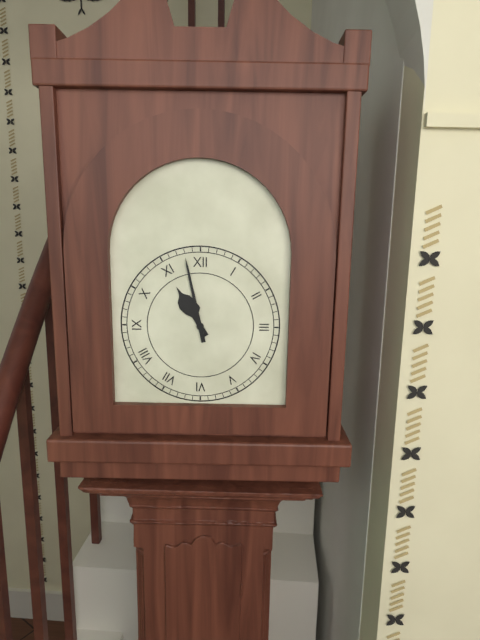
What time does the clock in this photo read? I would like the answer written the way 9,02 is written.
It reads 10,58
